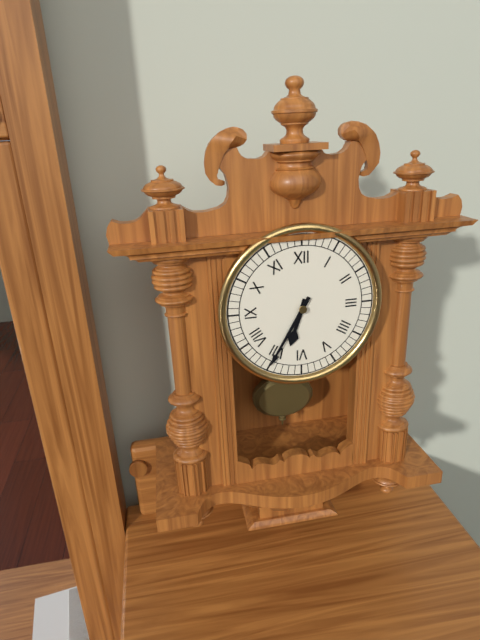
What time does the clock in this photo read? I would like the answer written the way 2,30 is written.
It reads 6,35
